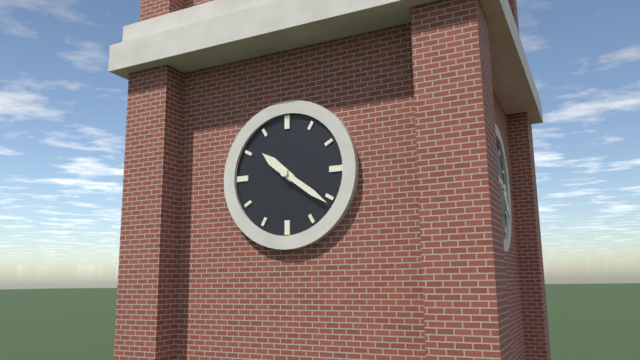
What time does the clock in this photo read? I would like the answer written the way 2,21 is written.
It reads 10,21
